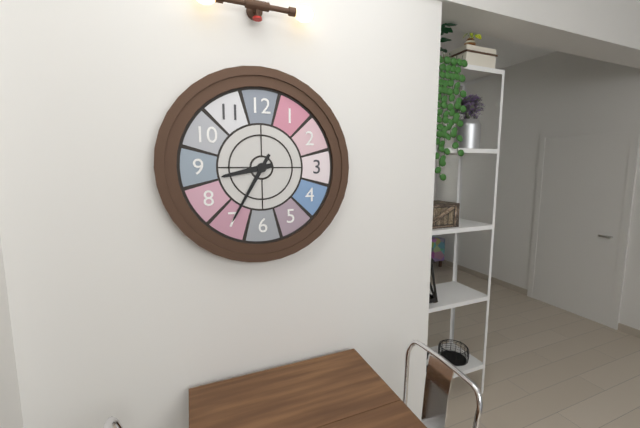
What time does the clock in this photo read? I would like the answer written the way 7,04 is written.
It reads 8,35
